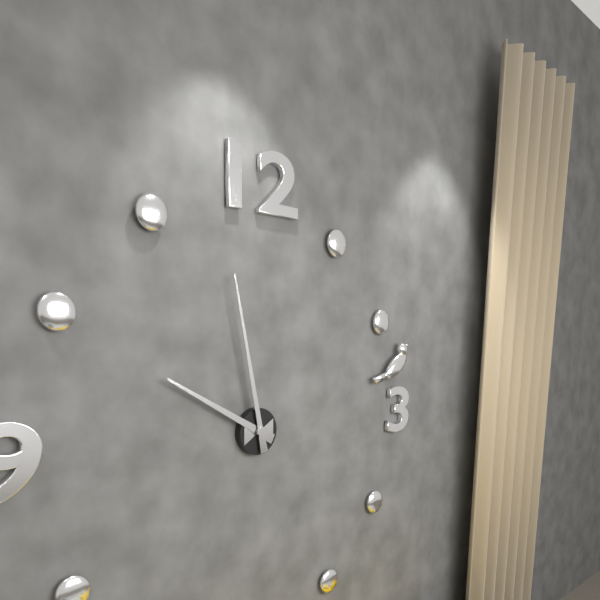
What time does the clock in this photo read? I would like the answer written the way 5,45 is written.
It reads 9,58
